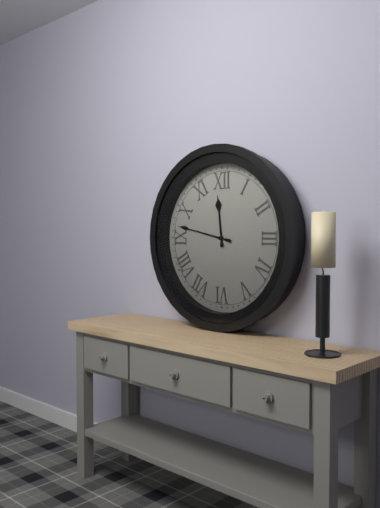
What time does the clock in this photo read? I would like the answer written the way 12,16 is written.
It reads 11,47
